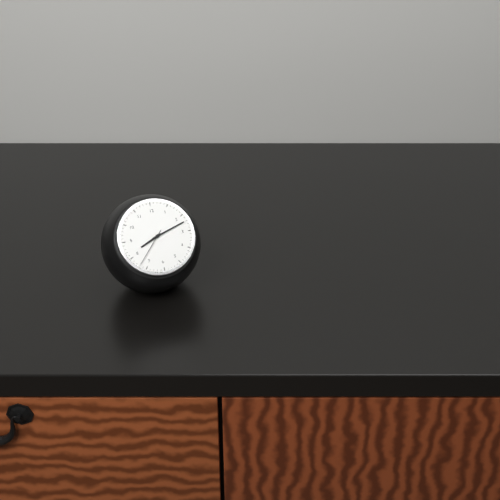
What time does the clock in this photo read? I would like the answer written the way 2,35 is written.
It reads 8,12
